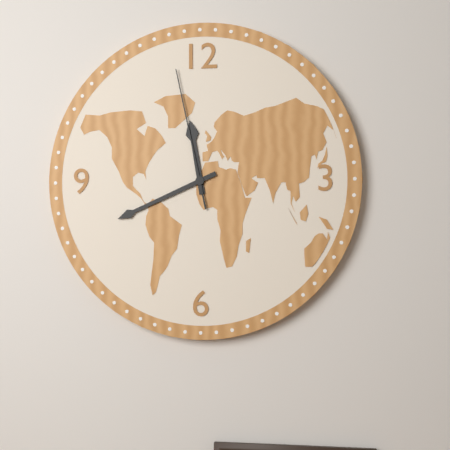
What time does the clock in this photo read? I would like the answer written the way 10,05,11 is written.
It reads 11,41,58
